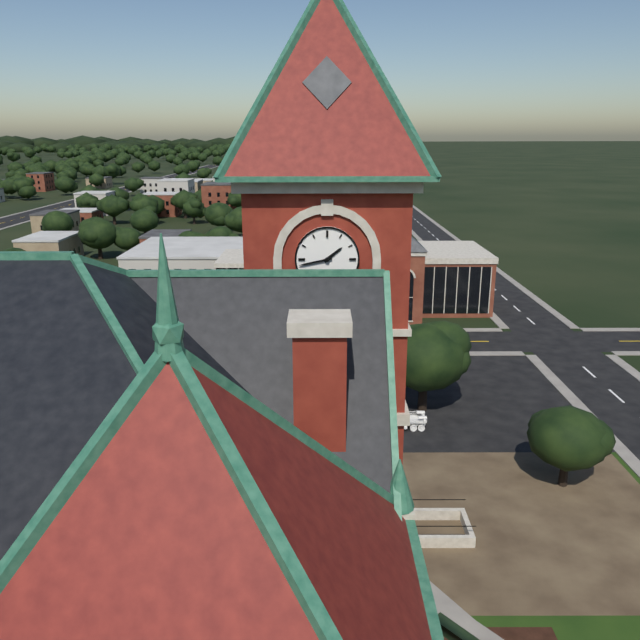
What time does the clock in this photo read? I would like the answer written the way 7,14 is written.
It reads 1,43
